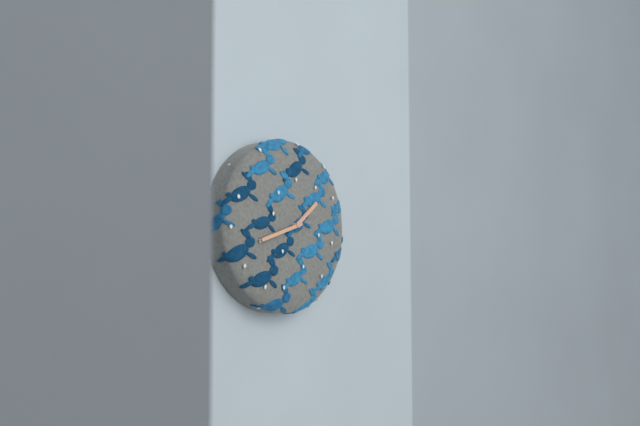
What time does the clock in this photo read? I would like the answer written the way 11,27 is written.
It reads 1,42
